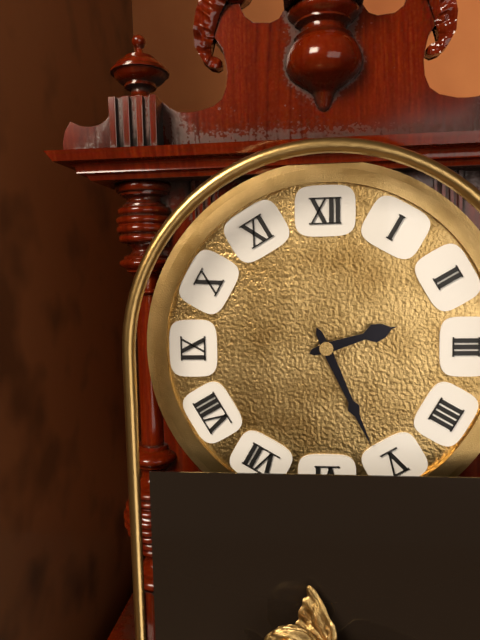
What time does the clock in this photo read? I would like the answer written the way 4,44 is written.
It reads 2,26
